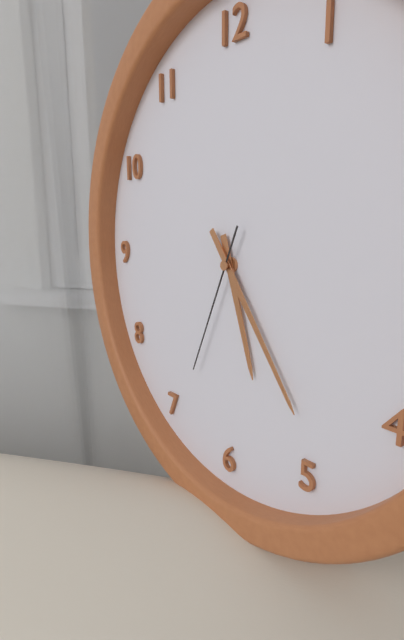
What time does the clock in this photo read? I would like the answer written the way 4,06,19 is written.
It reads 5,24,34
